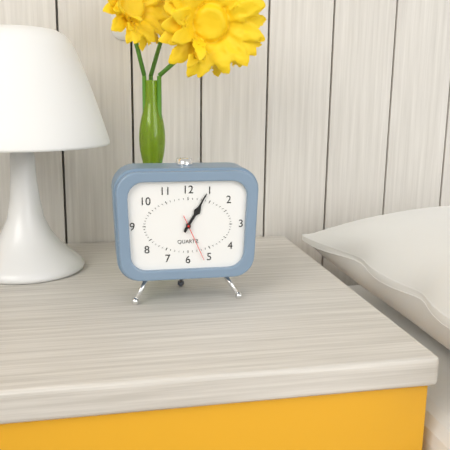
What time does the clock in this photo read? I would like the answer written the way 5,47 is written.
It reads 1,05
